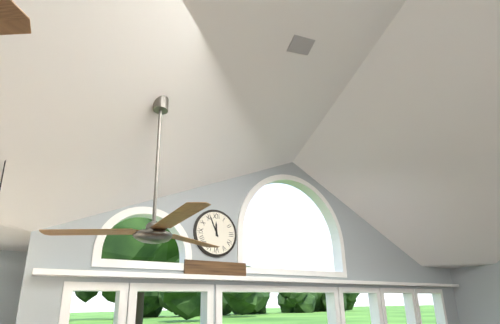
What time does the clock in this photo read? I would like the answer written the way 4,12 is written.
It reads 11,56
